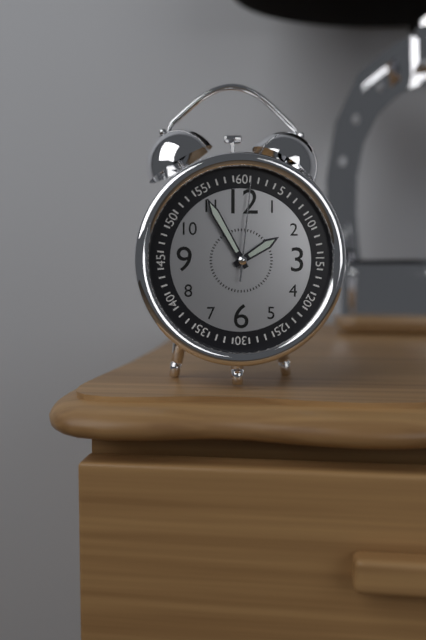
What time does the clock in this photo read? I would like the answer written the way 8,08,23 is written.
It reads 1,55,01
